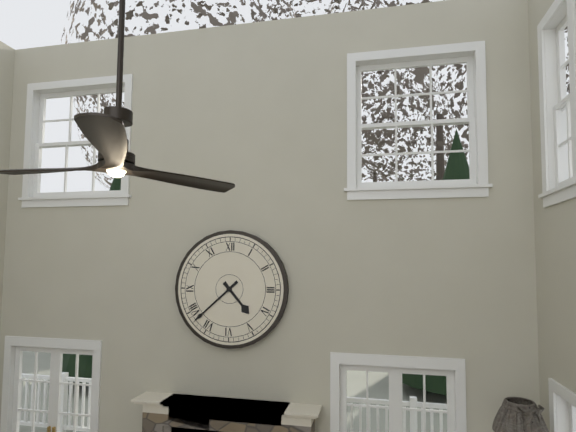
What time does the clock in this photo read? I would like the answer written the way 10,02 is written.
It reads 4,38
